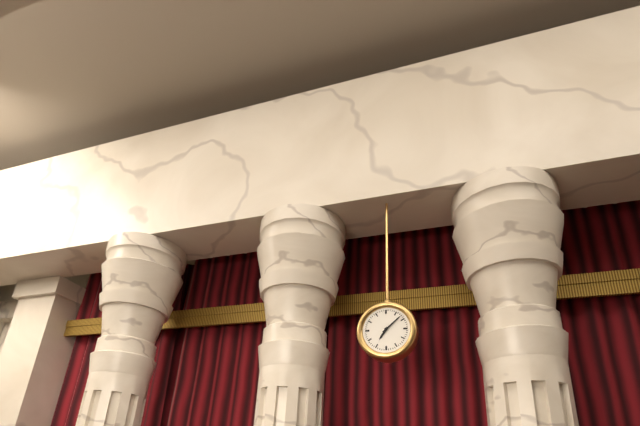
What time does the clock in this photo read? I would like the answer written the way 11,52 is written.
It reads 7,08
